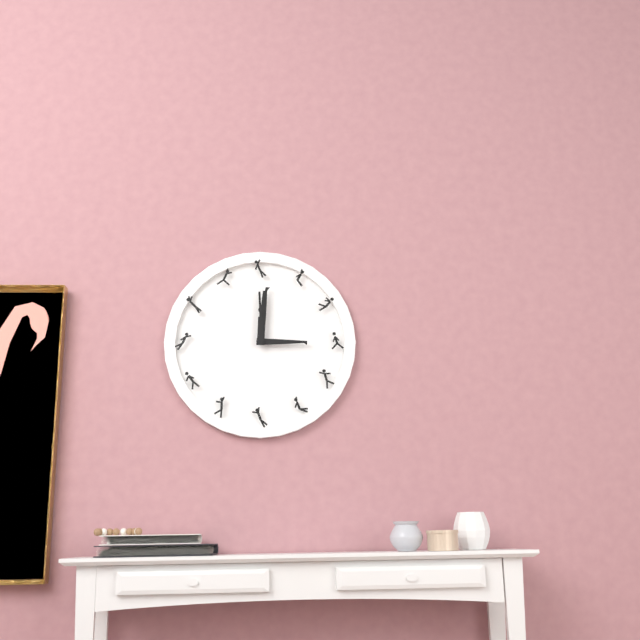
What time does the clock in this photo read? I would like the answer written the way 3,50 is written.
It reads 3,01
